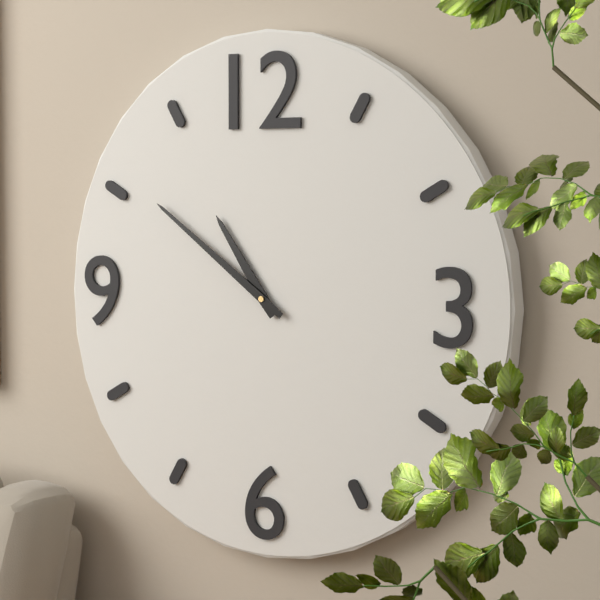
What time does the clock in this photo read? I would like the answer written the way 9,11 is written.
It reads 10,51
